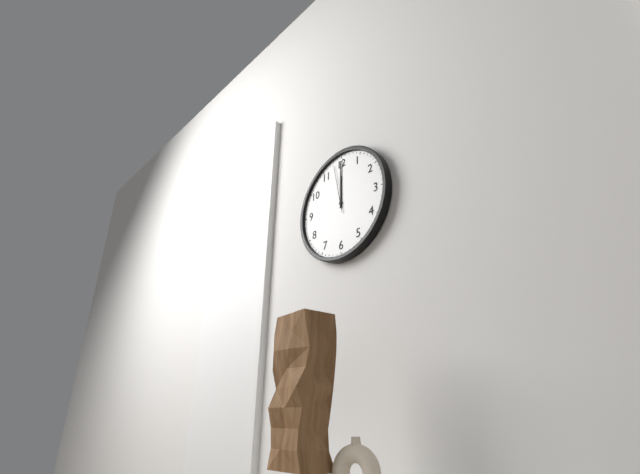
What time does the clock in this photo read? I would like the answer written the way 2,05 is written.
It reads 12,00
